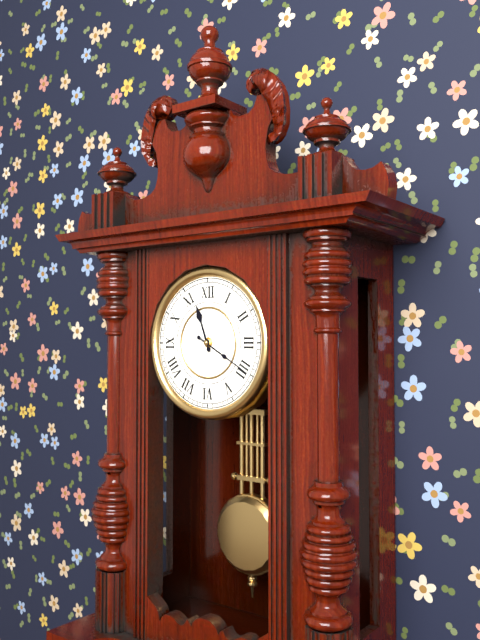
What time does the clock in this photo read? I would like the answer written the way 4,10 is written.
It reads 11,20
